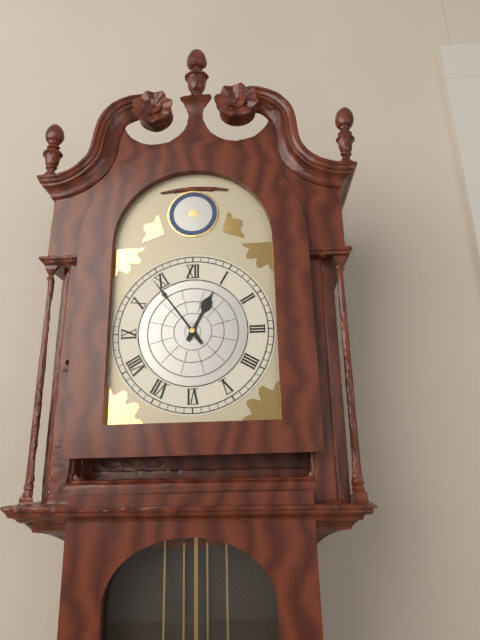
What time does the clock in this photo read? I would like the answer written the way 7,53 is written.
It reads 12,54
